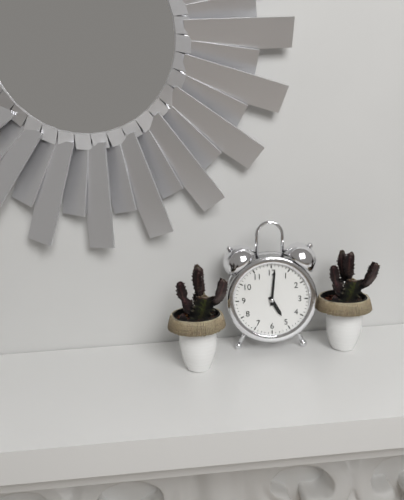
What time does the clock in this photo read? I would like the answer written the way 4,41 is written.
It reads 5,01
